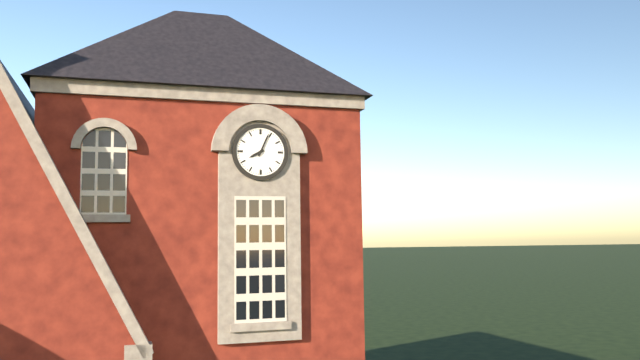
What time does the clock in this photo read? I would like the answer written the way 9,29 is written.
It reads 8,04
